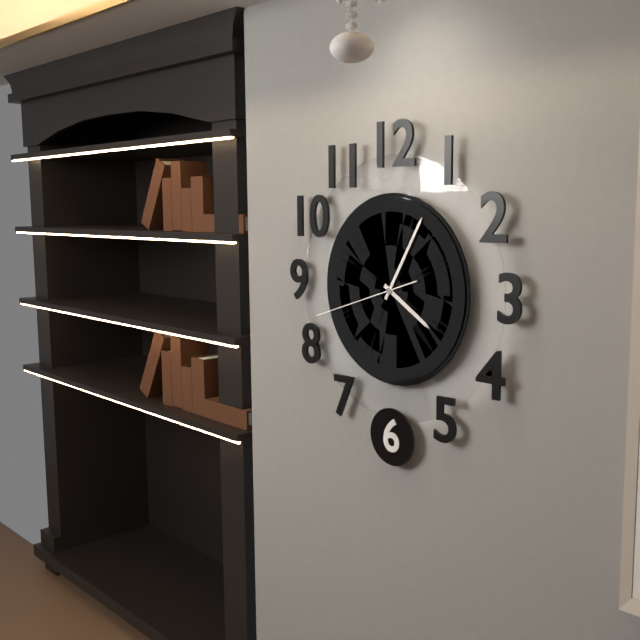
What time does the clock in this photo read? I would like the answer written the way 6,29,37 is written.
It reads 4,05,42
